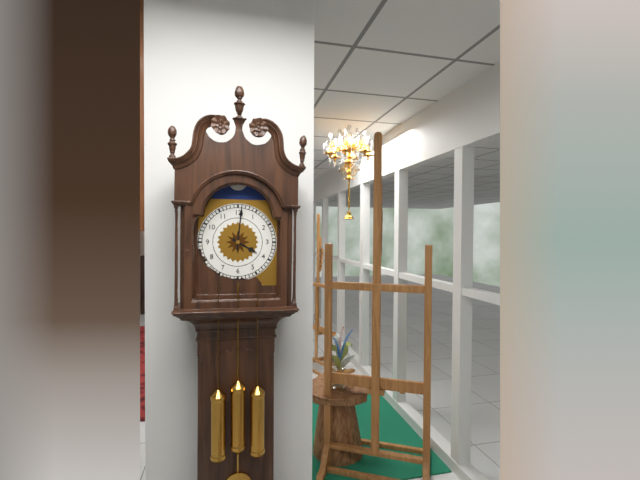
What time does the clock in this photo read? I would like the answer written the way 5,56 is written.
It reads 4,01
